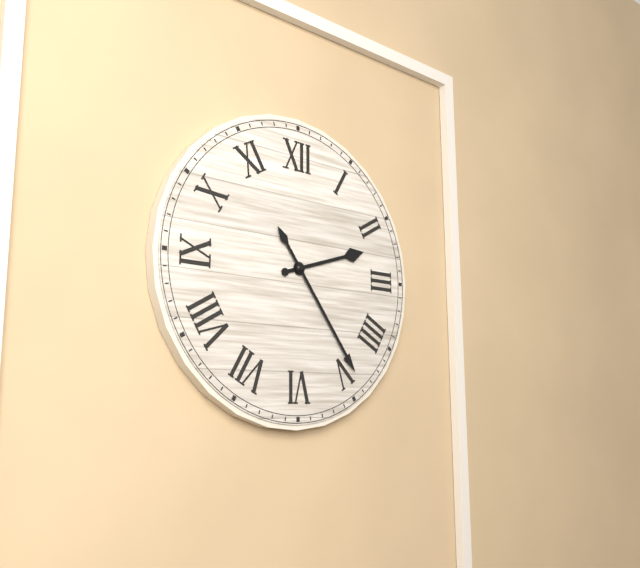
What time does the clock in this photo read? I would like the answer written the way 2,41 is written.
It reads 2,24
